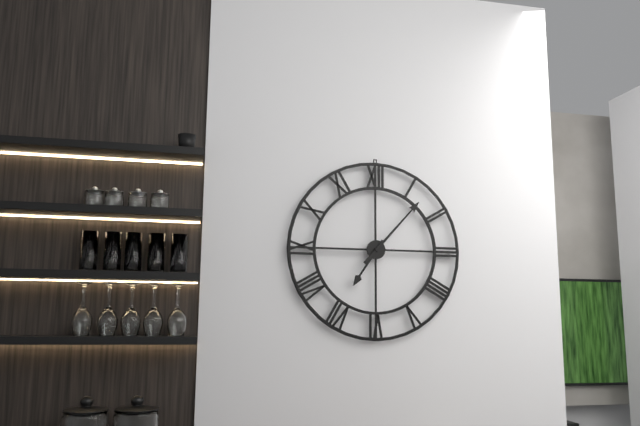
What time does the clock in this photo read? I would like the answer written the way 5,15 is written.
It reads 7,07
